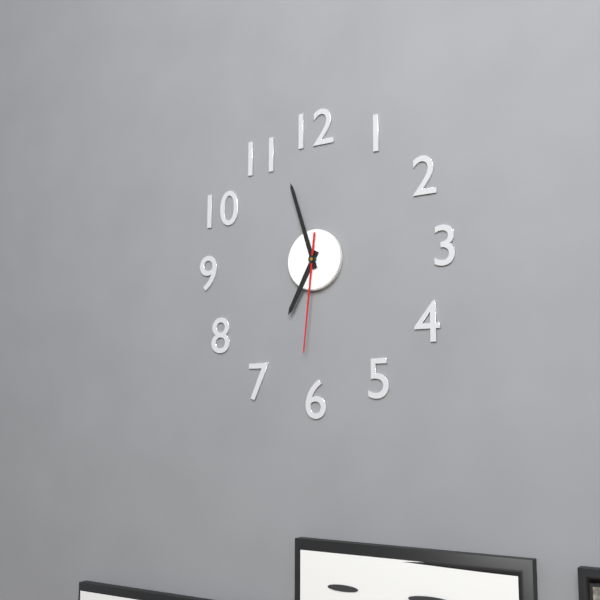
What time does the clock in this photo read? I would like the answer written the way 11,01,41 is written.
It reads 6,57,31
